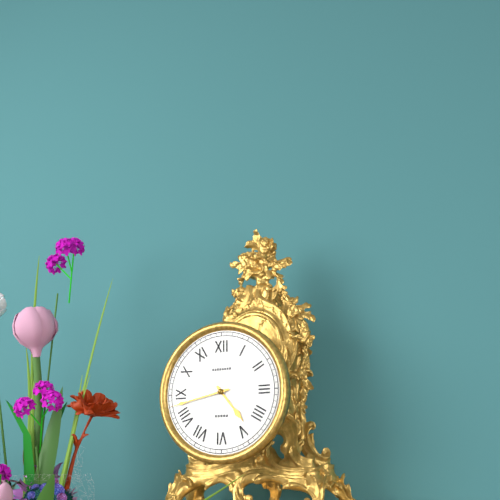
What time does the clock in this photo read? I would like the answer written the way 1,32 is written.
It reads 4,43
